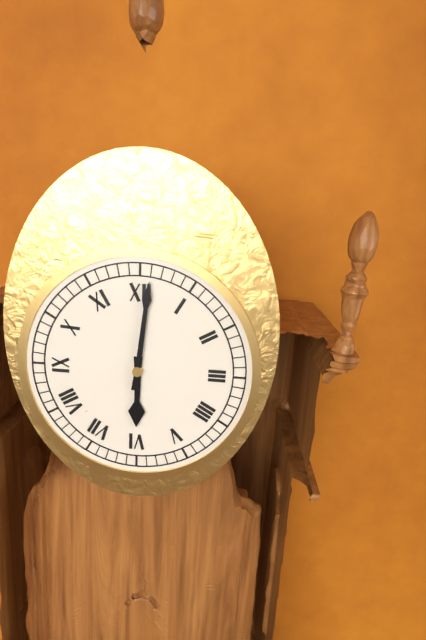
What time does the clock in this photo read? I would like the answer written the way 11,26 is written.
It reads 6,01
